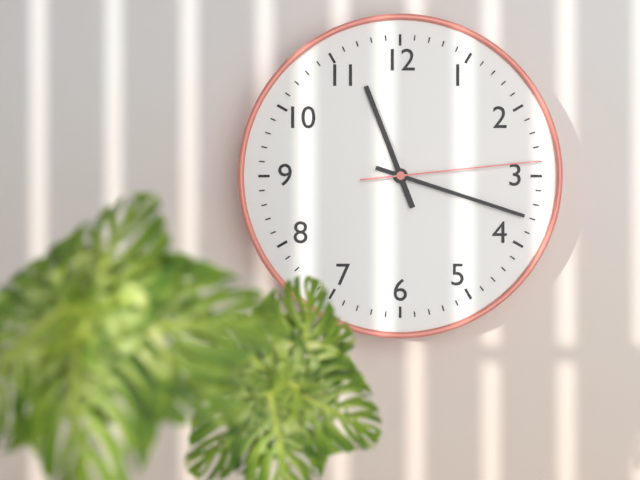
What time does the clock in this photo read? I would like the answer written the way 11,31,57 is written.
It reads 11,18,14
